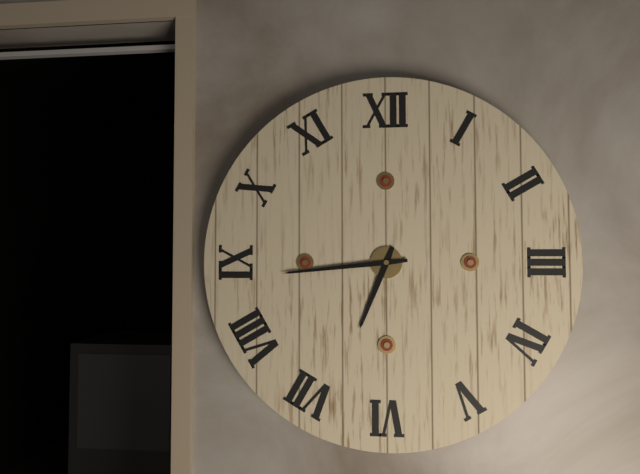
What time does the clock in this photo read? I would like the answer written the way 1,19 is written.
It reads 6,44
